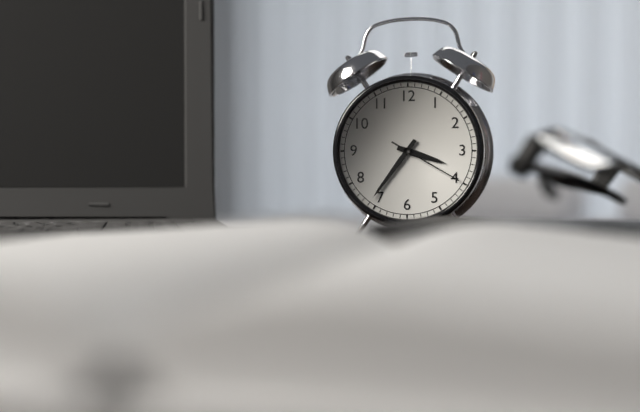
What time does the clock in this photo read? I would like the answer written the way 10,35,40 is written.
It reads 3,36,20
